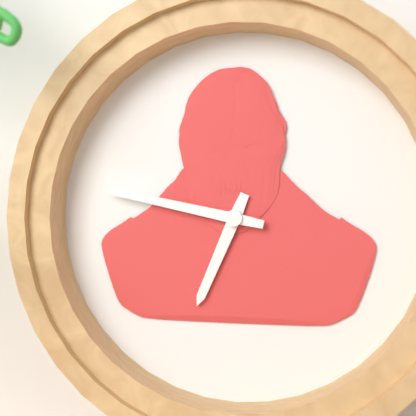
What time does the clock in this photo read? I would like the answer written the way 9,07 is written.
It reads 6,47
